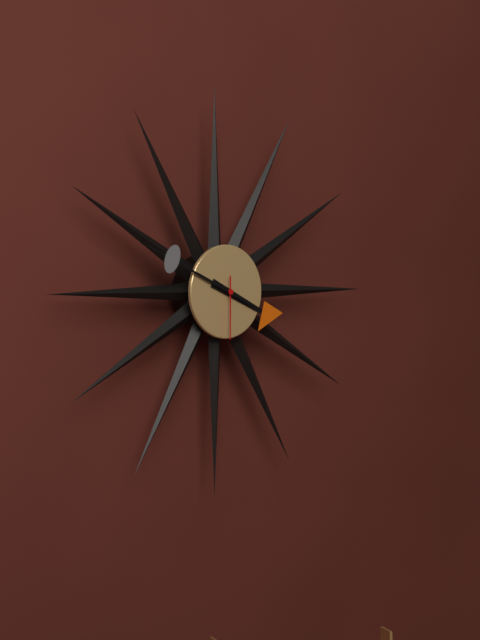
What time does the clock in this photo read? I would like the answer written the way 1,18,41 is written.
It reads 3,49,30
